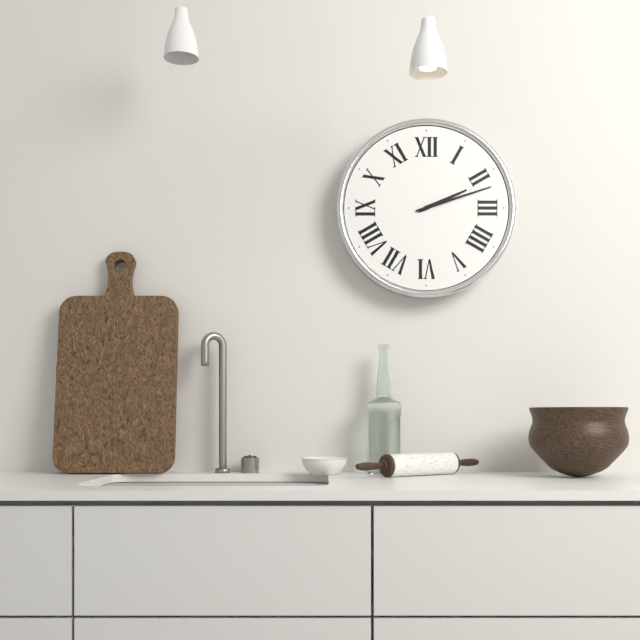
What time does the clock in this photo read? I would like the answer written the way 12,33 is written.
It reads 2,12
